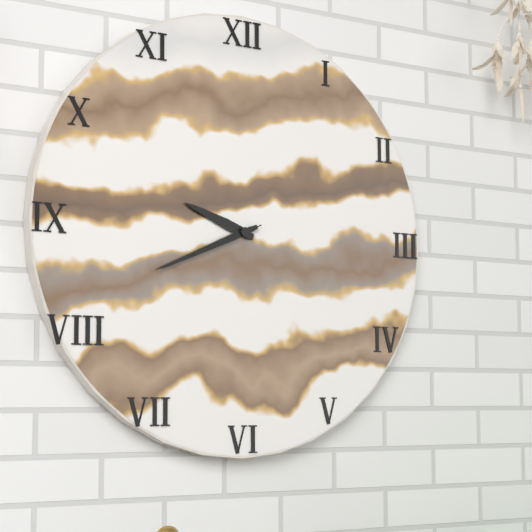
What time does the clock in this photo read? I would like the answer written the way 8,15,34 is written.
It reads 9,41,41
